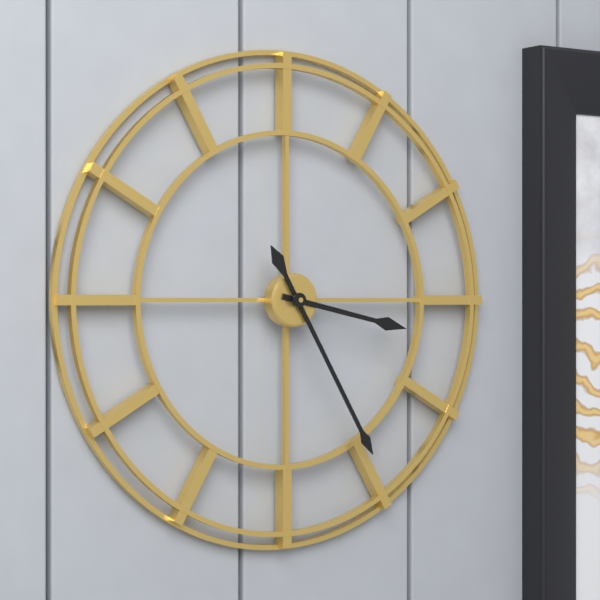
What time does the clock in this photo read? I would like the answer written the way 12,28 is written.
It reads 3,25
